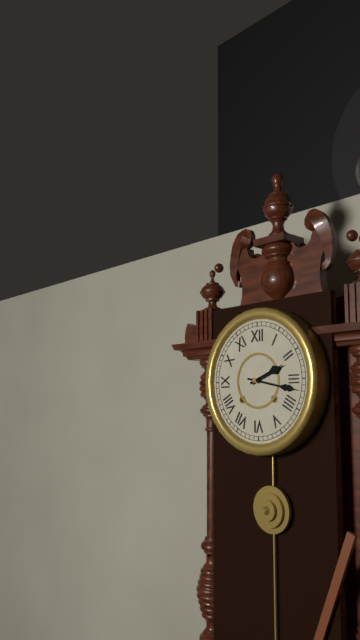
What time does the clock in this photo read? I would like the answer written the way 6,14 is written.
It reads 2,17
